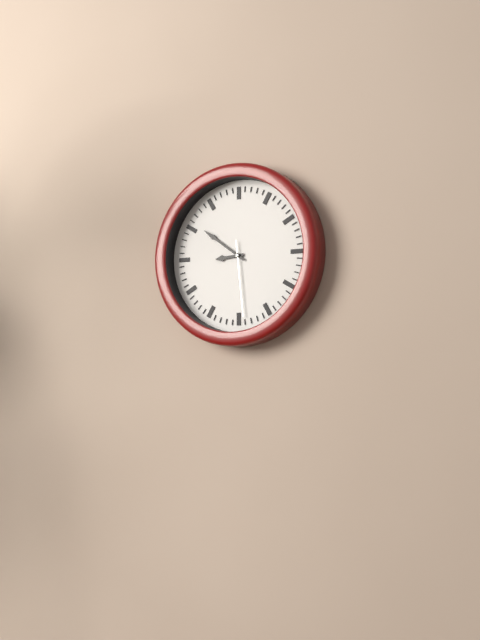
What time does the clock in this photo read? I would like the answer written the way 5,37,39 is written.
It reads 8,51,29
